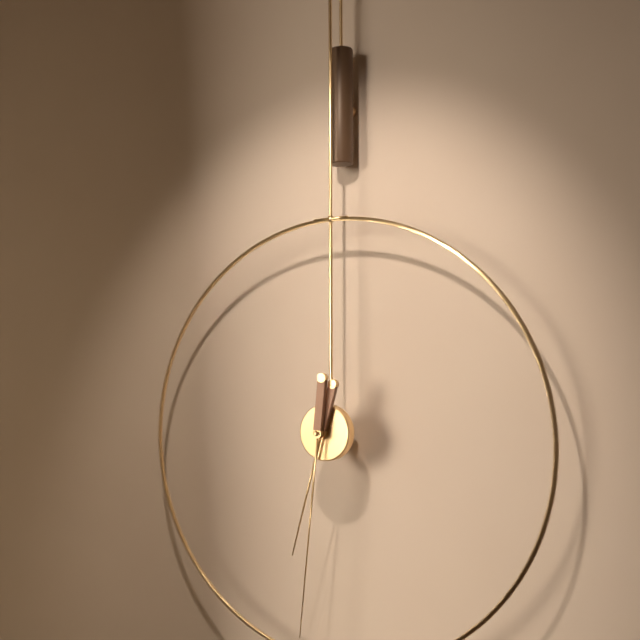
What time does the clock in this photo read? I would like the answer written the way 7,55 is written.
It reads 6,31
